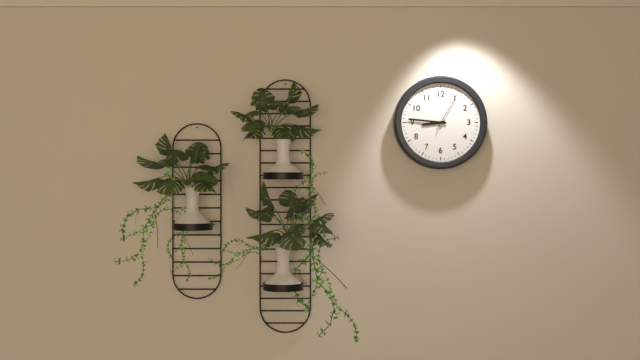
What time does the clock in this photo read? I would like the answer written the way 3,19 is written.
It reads 8,46
